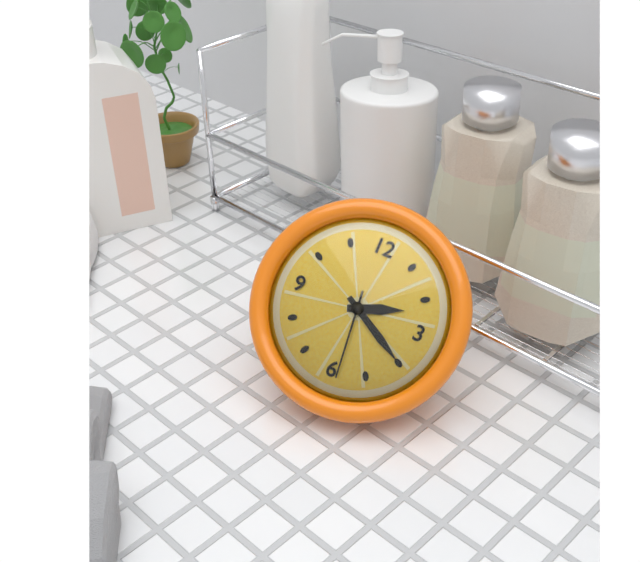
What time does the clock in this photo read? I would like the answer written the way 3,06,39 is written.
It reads 2,20,29
